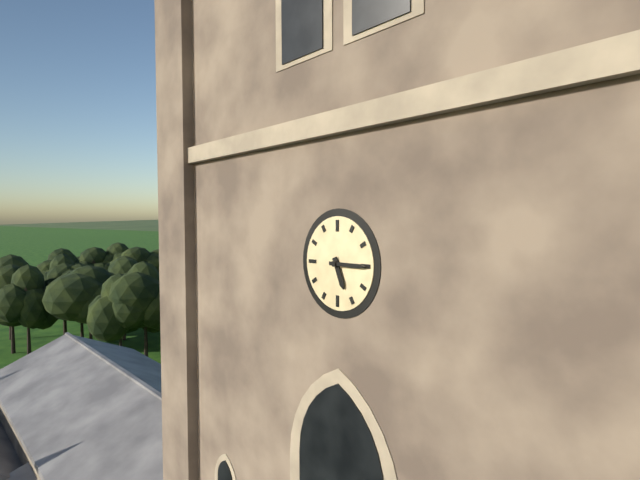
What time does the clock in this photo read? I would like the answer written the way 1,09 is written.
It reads 5,15
